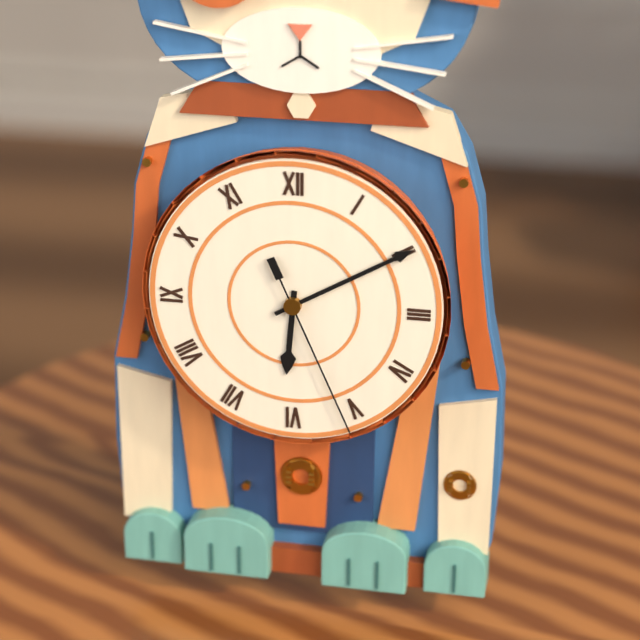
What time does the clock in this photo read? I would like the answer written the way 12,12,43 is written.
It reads 6,10,26
